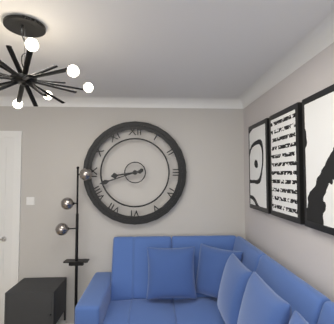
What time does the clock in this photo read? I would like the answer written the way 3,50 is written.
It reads 8,42
